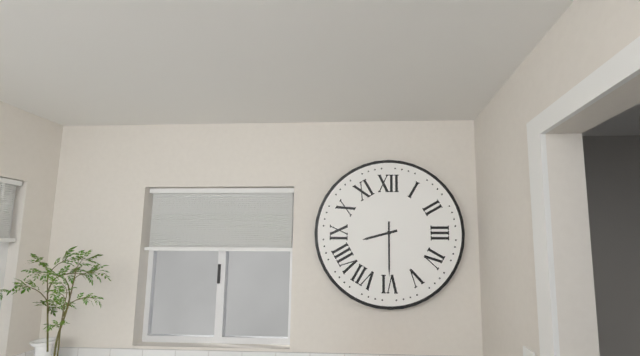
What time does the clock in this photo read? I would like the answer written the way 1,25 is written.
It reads 8,30
